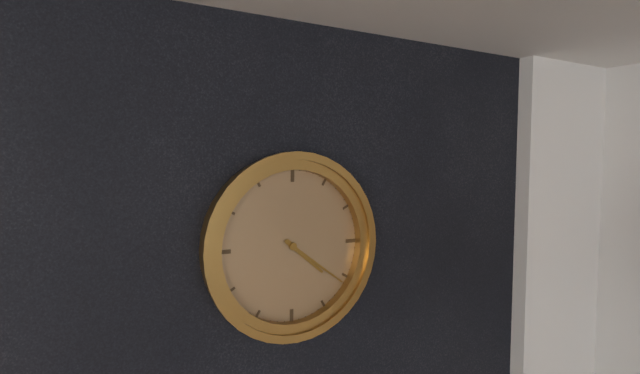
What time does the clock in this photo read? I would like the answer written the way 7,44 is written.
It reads 4,21
